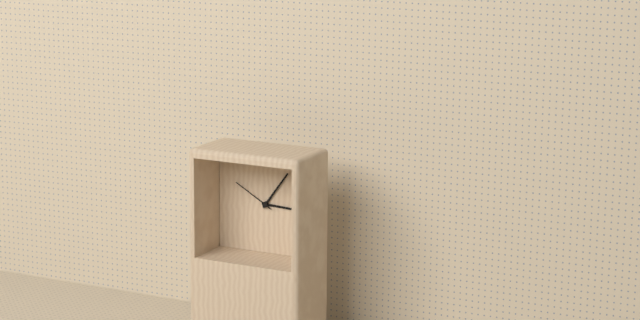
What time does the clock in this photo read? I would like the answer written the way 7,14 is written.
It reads 3,06
